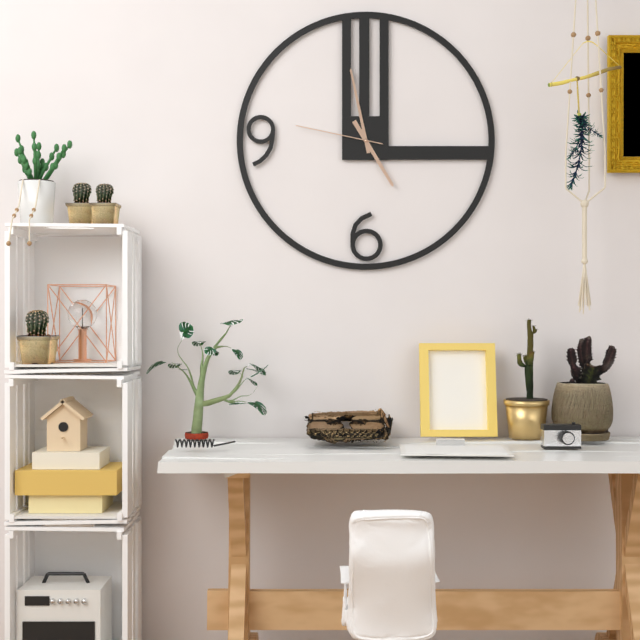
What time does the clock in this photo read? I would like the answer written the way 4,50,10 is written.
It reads 4,58,47
